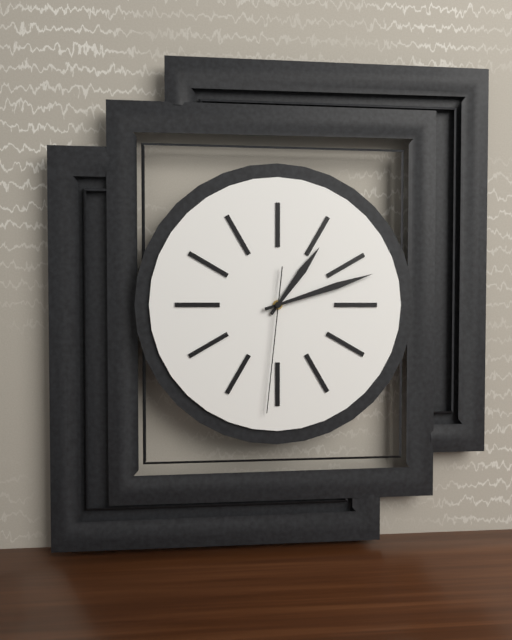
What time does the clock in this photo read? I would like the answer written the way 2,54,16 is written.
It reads 1,12,31
